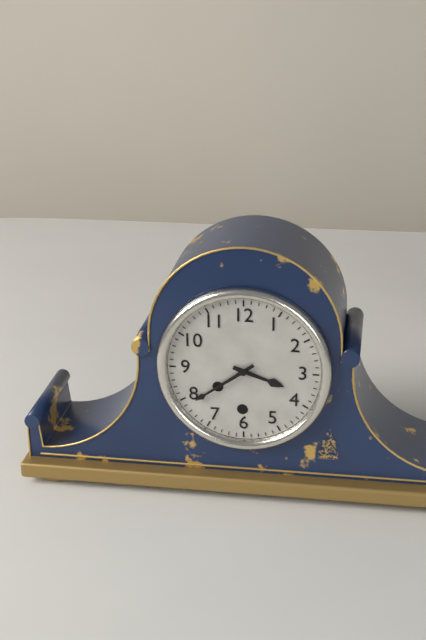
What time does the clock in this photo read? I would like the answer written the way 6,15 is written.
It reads 3,39
